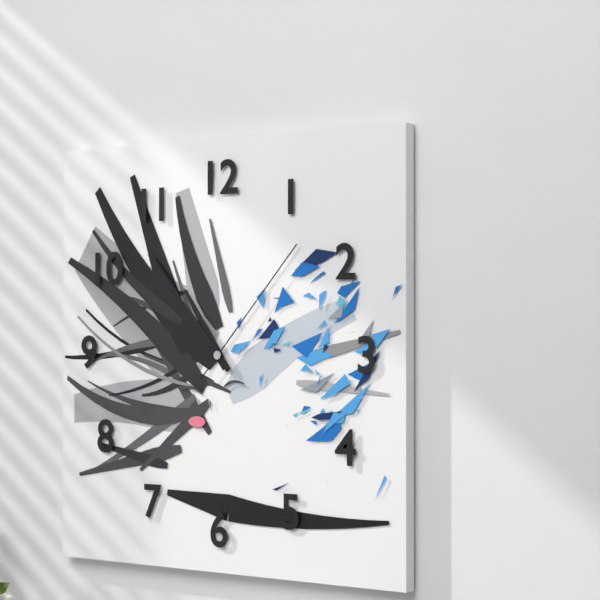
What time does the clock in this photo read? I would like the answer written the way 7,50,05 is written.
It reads 10,53,07
